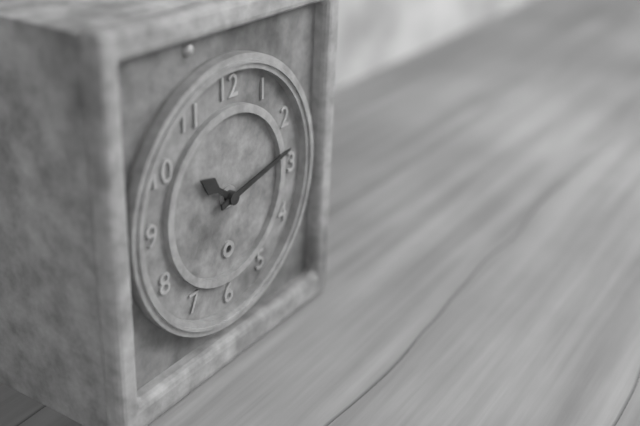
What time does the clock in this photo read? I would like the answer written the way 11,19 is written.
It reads 10,13
